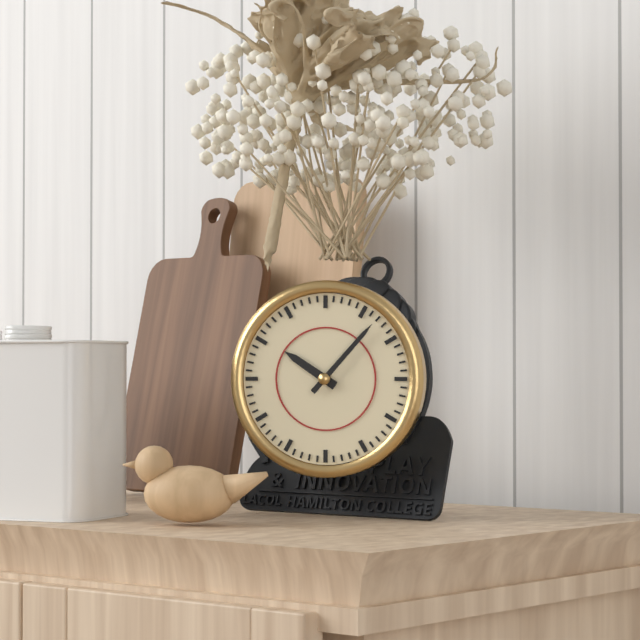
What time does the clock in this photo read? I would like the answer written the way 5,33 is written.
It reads 10,07
